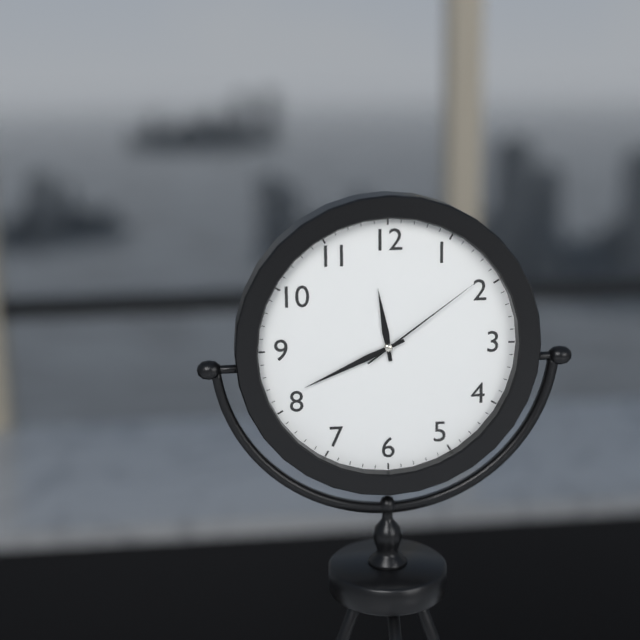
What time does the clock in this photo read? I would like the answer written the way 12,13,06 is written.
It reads 11,41,09
